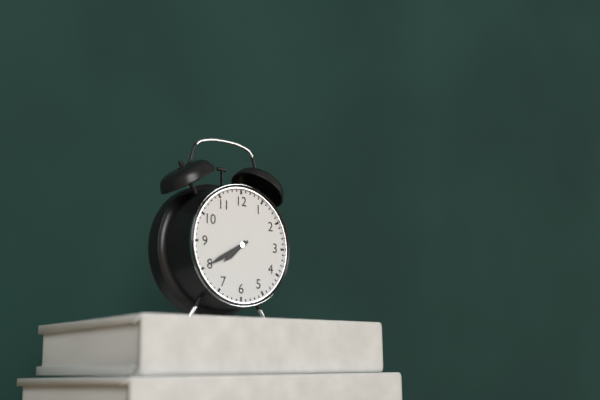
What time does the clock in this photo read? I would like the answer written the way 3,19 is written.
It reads 7,40
